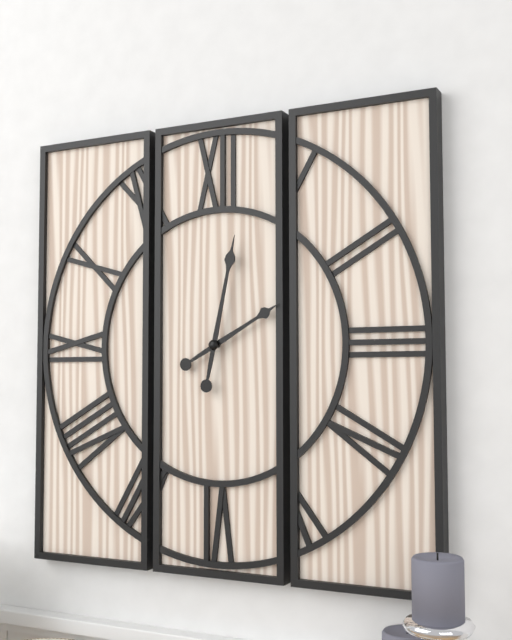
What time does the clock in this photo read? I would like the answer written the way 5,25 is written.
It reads 2,02
